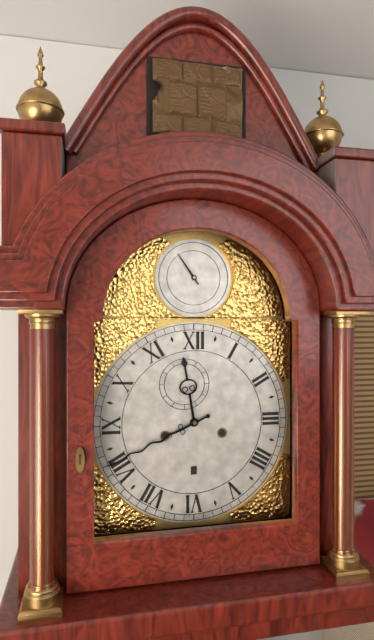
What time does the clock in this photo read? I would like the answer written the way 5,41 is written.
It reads 11,41
